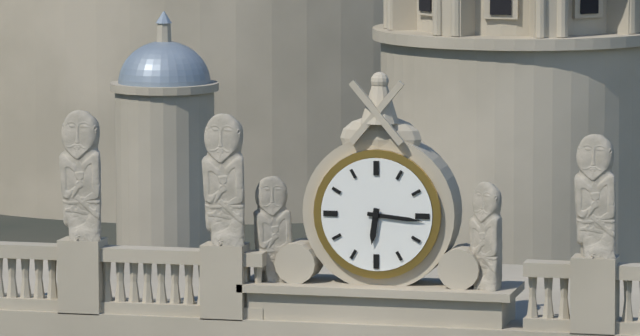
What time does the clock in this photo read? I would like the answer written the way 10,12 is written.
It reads 6,16
